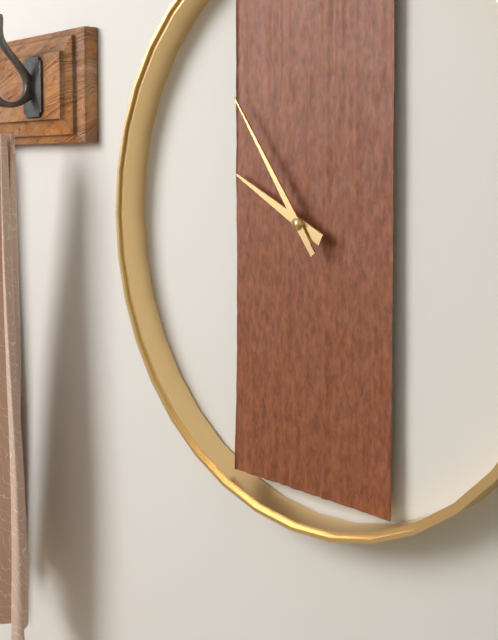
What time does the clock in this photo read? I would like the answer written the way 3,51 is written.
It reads 9,54
